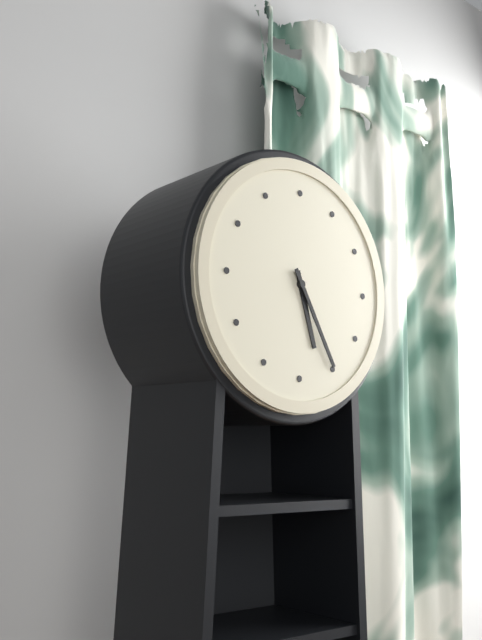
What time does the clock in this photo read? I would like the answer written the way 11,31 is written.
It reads 5,25
